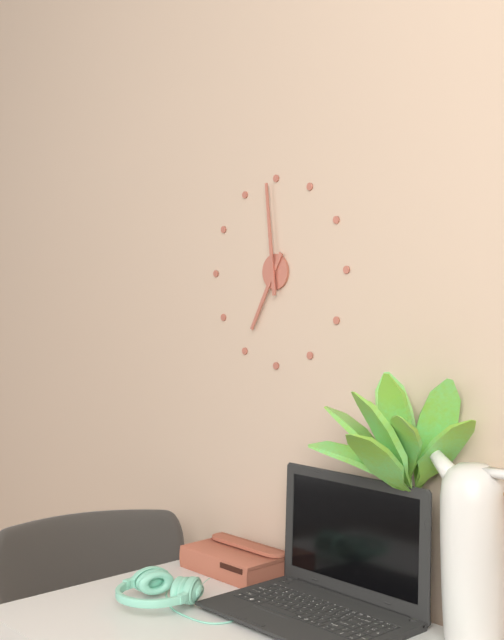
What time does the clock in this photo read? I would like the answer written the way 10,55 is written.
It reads 6,59
